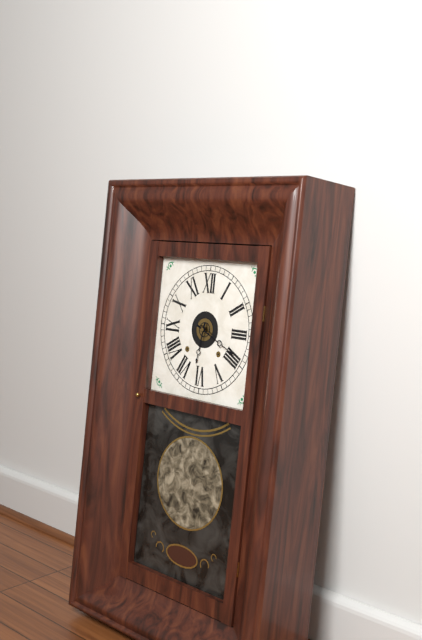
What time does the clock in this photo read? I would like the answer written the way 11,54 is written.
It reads 6,19
